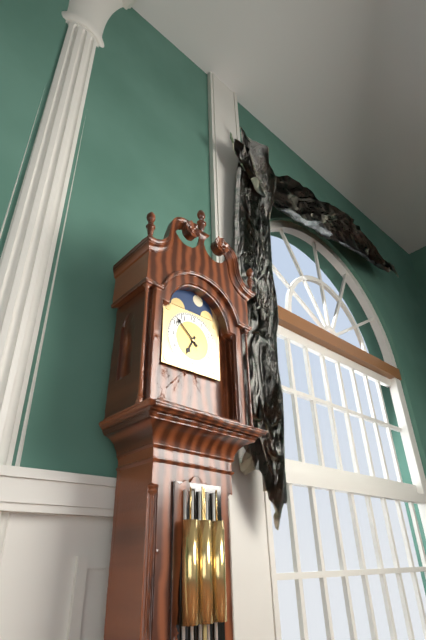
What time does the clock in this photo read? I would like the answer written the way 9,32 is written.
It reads 6,52
